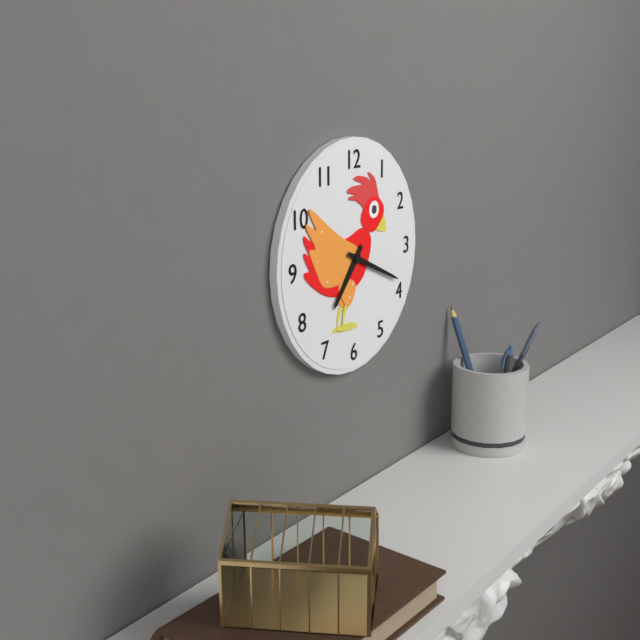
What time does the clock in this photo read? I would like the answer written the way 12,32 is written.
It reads 7,19
